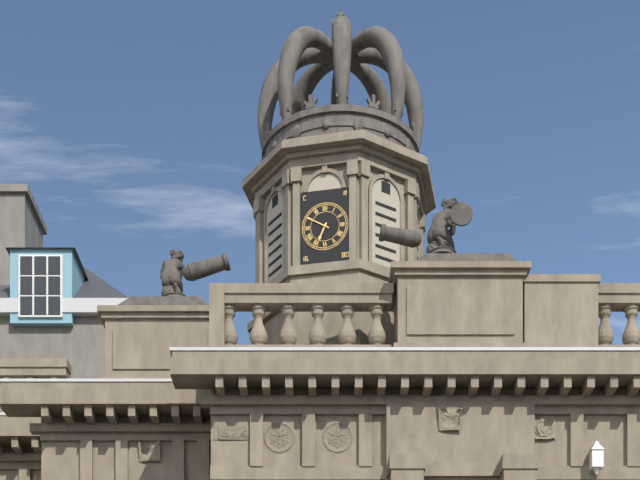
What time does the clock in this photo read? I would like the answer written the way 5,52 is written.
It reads 6,50
